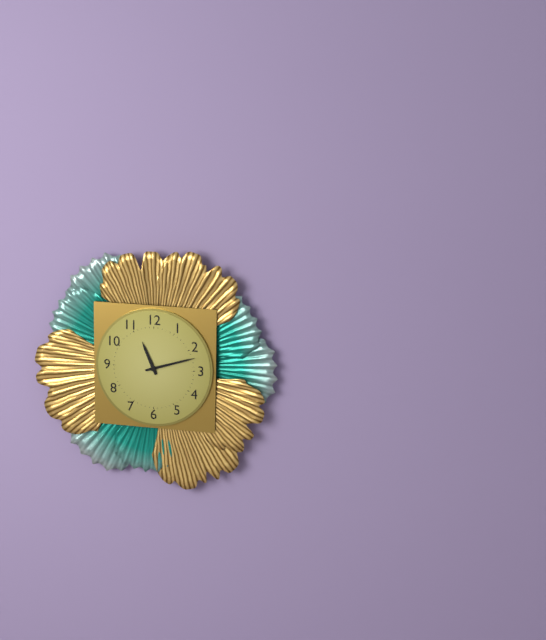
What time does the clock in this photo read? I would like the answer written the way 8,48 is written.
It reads 11,12
